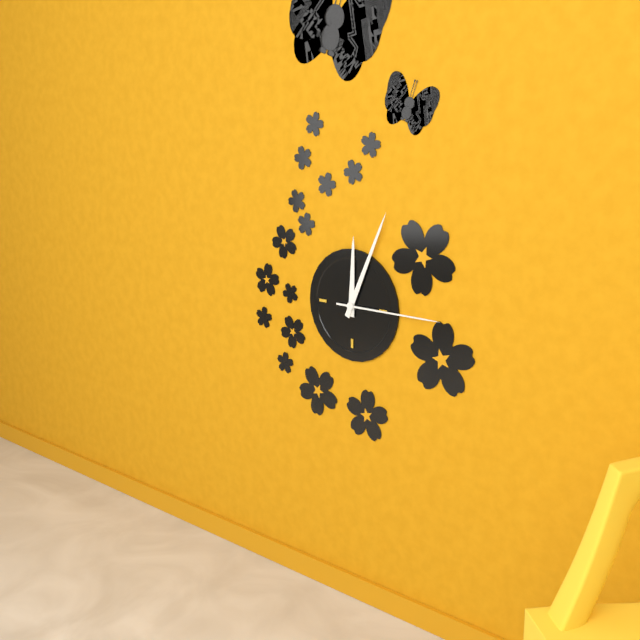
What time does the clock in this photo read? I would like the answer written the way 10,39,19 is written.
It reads 12,04,15
